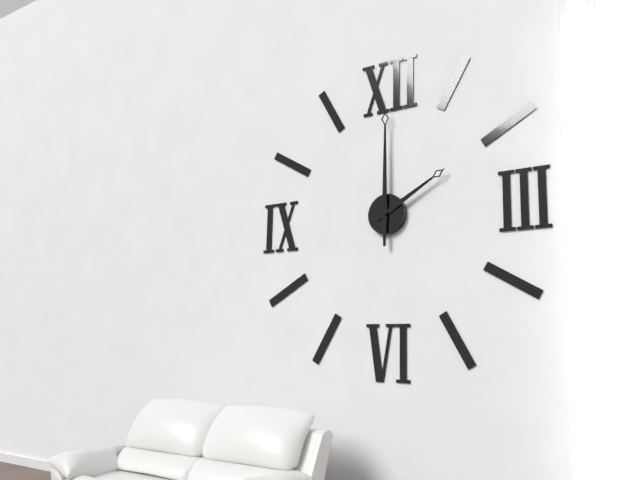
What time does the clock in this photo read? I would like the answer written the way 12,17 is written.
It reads 2,00
